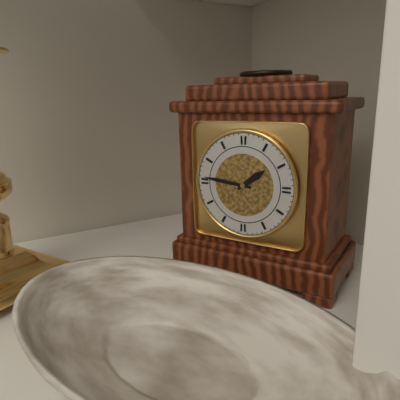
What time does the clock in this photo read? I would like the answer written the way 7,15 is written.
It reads 1,46
